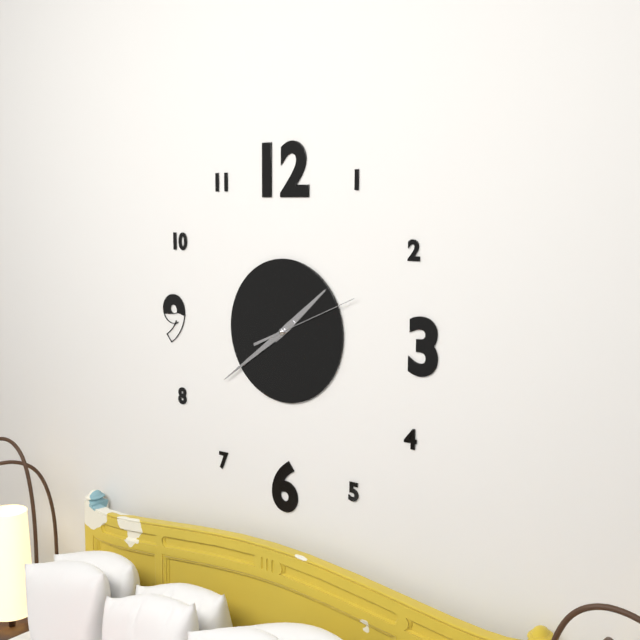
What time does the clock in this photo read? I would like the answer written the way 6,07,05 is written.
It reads 1,39,11
